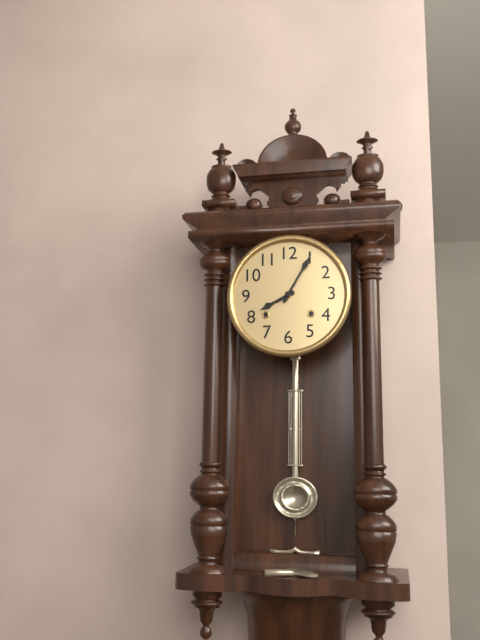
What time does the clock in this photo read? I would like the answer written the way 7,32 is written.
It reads 8,05
